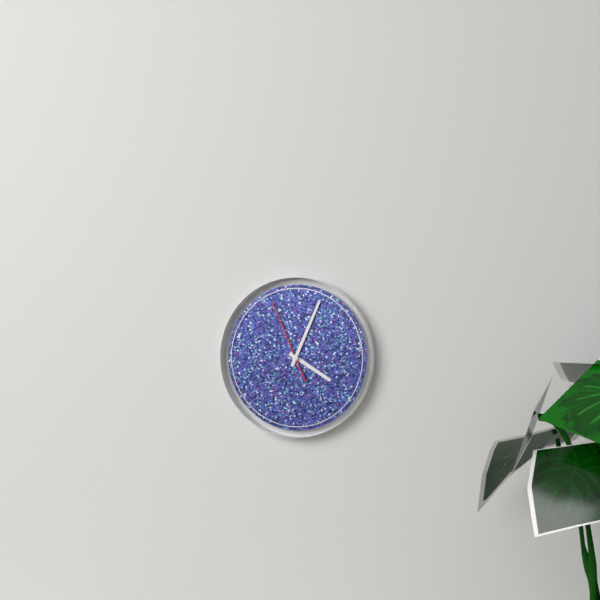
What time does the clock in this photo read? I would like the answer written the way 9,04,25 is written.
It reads 4,04,56
